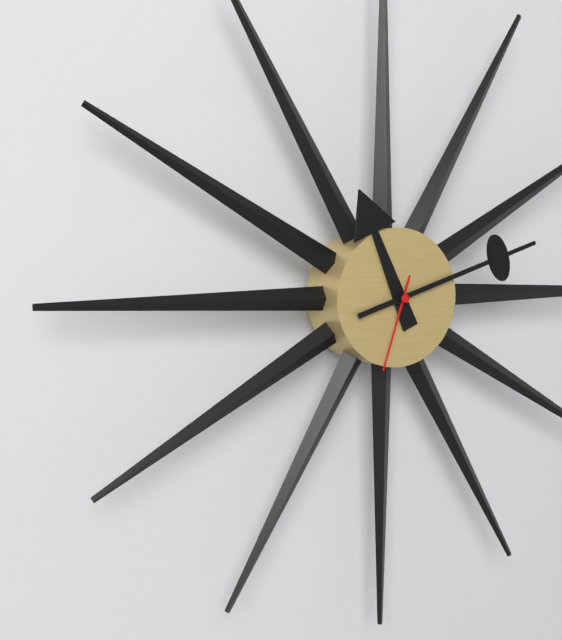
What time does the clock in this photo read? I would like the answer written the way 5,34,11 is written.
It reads 11,12,33
